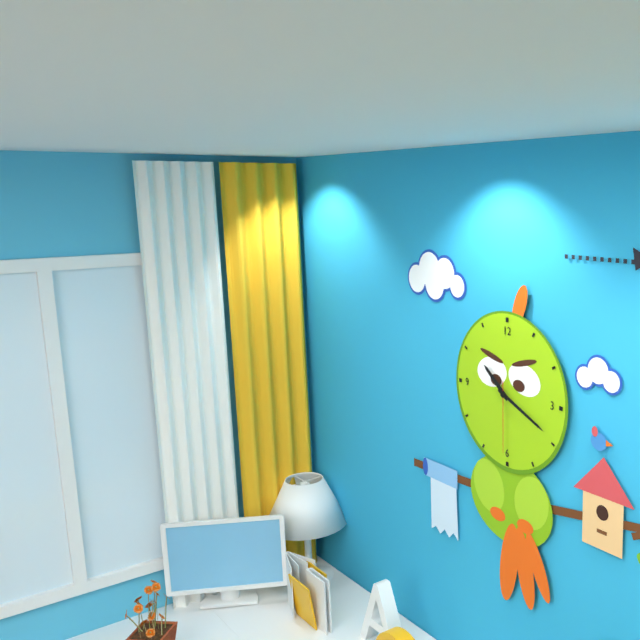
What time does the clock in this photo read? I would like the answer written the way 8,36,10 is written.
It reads 10,19,30
